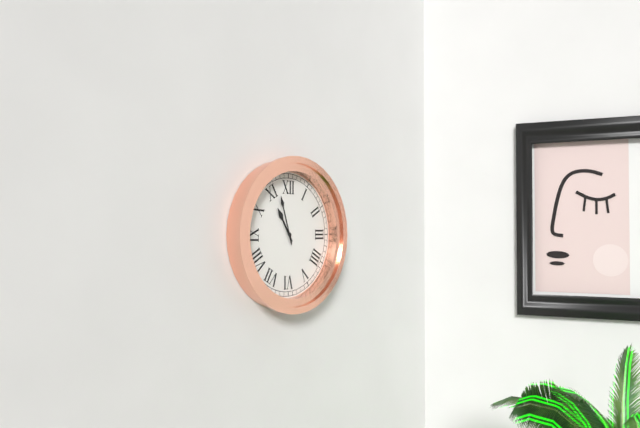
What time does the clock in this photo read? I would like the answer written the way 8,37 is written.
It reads 10,57
